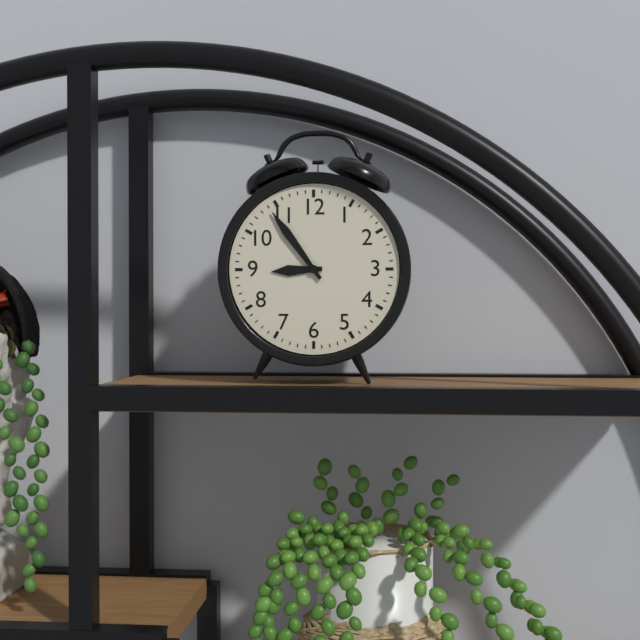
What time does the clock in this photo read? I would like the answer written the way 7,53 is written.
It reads 8,54
